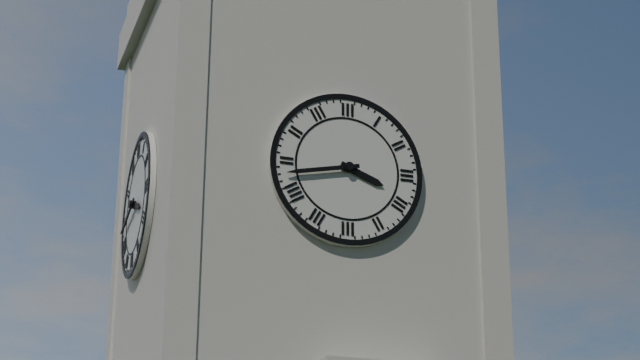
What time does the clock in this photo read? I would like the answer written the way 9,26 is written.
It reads 3,43
